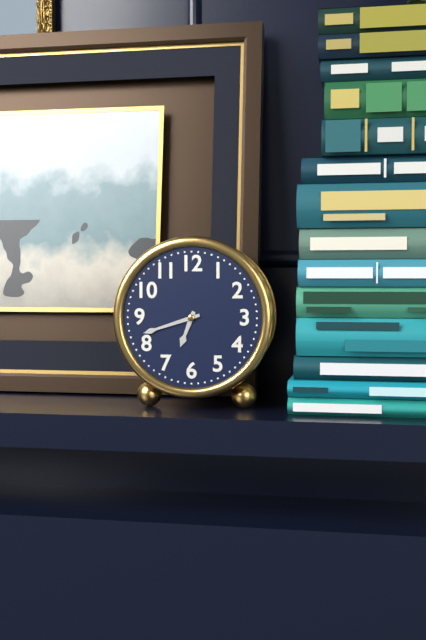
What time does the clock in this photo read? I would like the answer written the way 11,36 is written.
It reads 6,42
